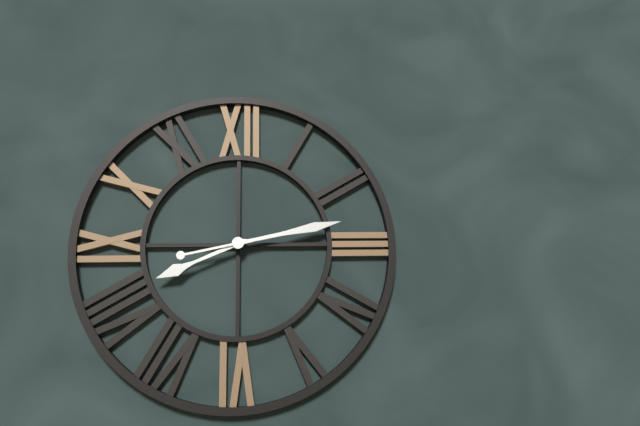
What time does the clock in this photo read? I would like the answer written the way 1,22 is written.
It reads 8,13
